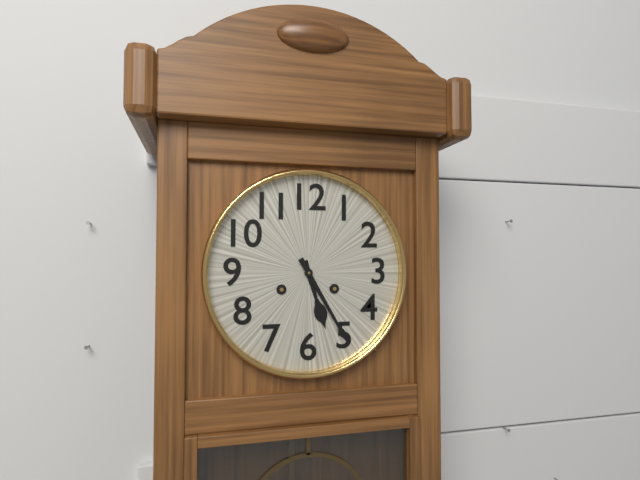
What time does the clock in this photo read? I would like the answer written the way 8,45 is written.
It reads 5,25
